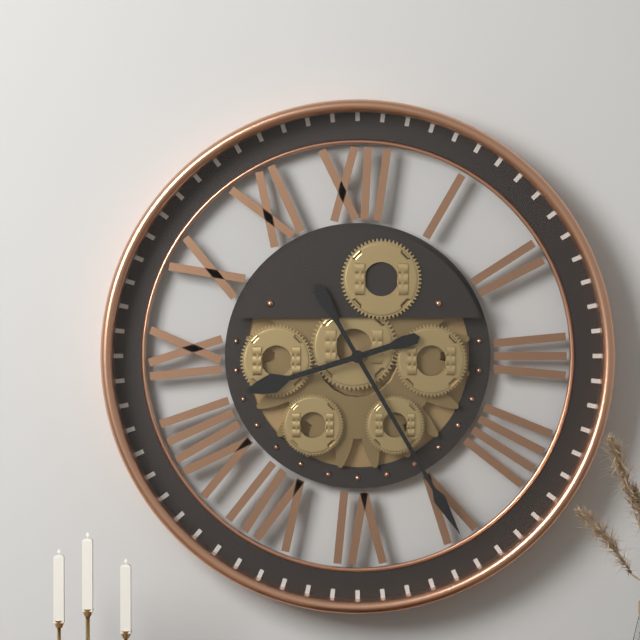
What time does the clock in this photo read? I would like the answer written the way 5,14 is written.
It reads 8,25
